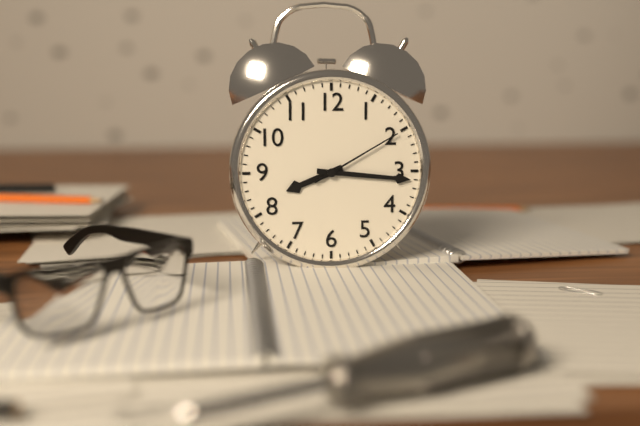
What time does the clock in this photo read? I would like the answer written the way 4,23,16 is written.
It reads 8,16,10
